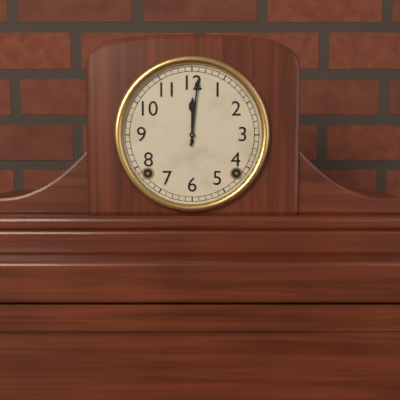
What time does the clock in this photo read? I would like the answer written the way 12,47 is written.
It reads 12,01
